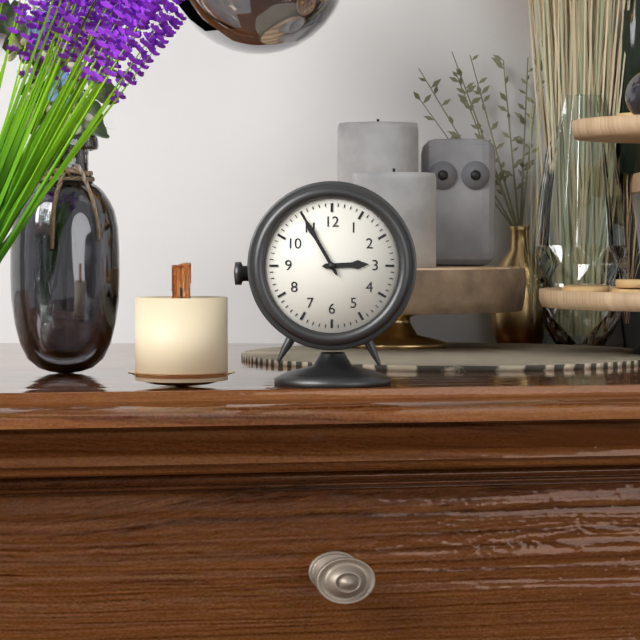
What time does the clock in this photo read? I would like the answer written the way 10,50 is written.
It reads 2,55
